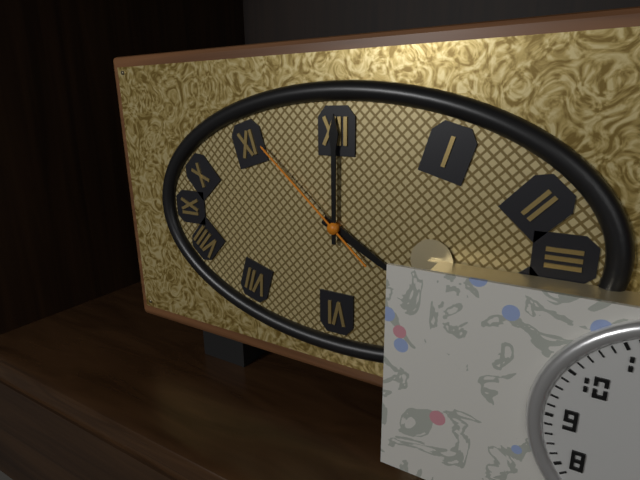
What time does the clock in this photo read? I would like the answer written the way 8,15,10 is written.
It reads 4,00,52
